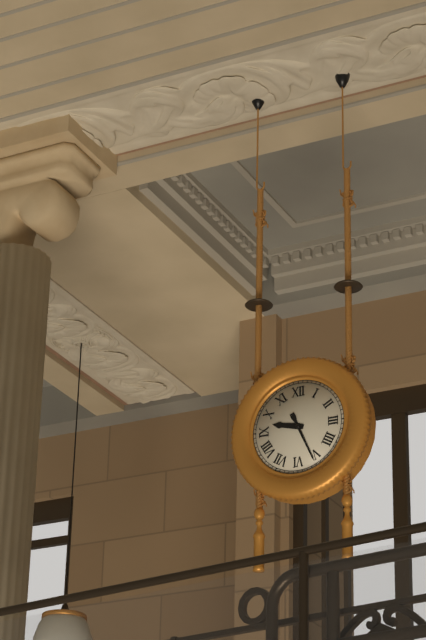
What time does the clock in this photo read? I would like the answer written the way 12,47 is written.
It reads 9,26
